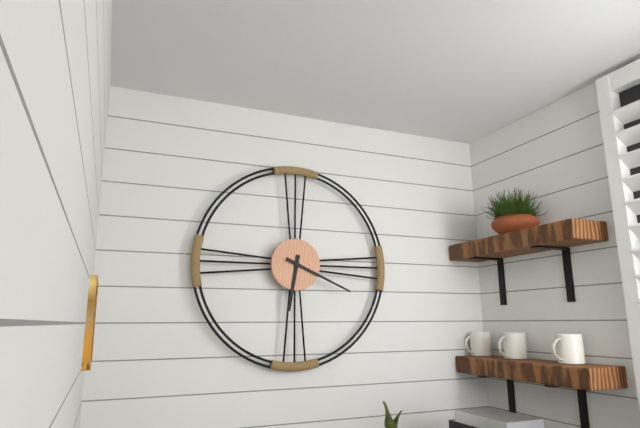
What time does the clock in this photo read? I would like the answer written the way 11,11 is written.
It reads 6,19
